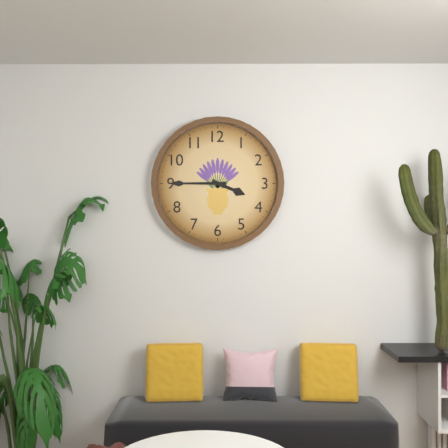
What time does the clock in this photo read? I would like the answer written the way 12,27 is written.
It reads 3,45
